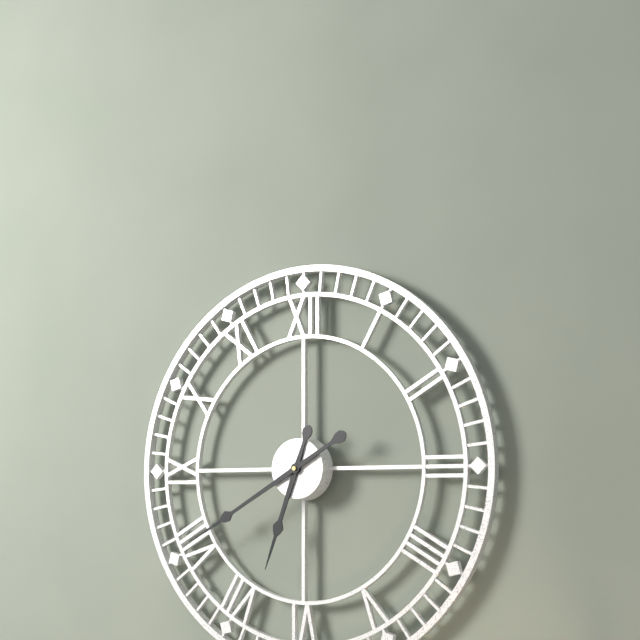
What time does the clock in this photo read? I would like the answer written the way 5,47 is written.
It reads 6,40
